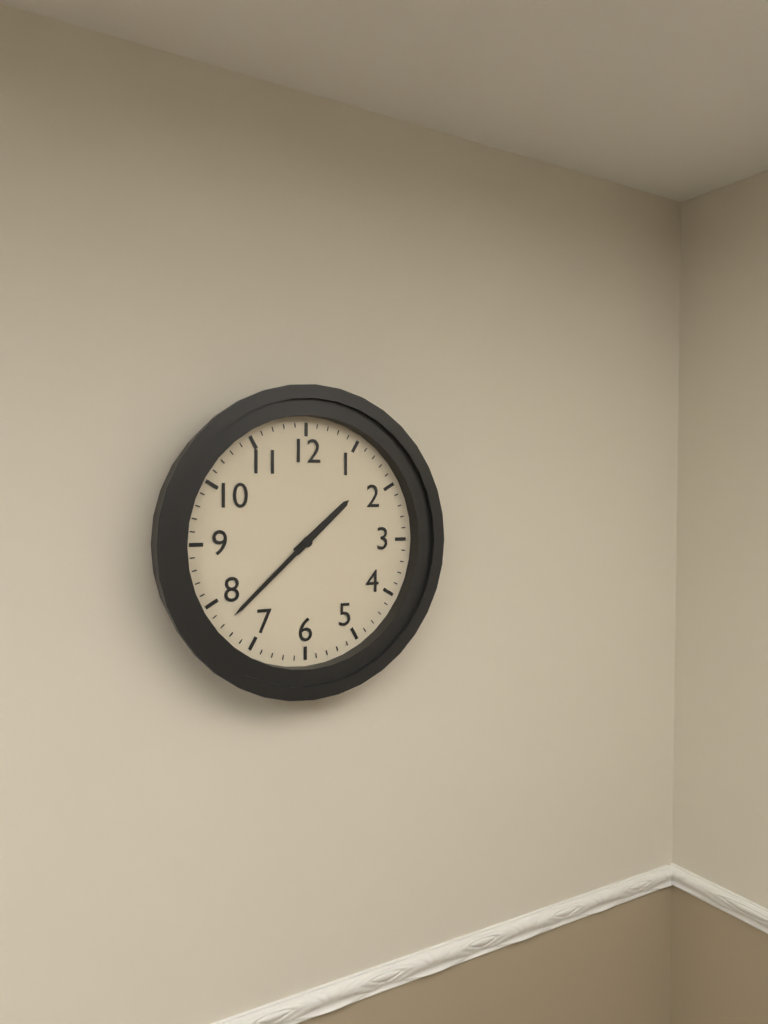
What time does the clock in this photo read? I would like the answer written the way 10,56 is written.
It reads 1,38
